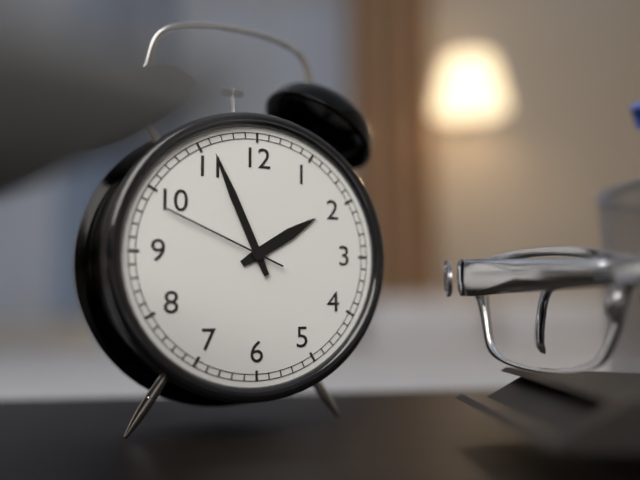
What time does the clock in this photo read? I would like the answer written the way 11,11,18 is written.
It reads 1,56,49
